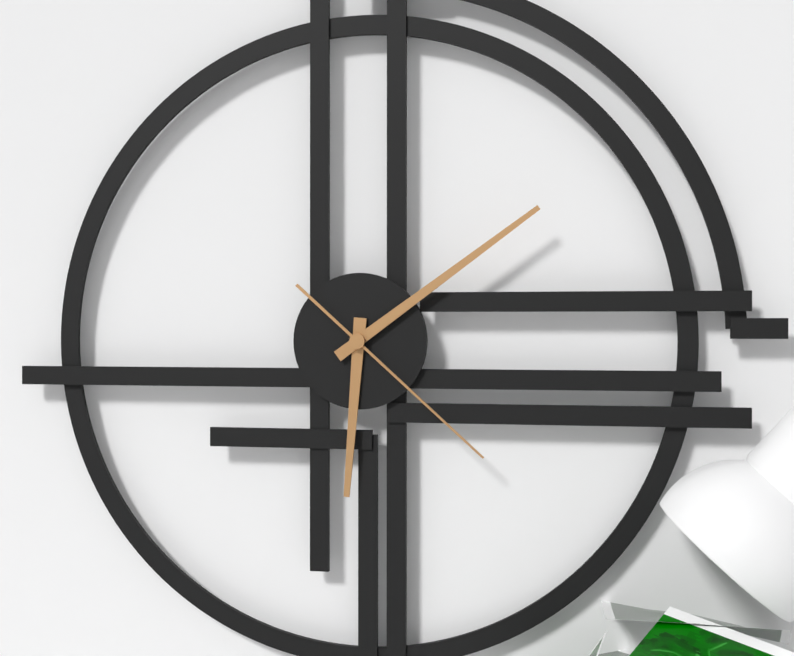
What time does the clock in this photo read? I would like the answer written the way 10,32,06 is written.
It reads 6,09,22
